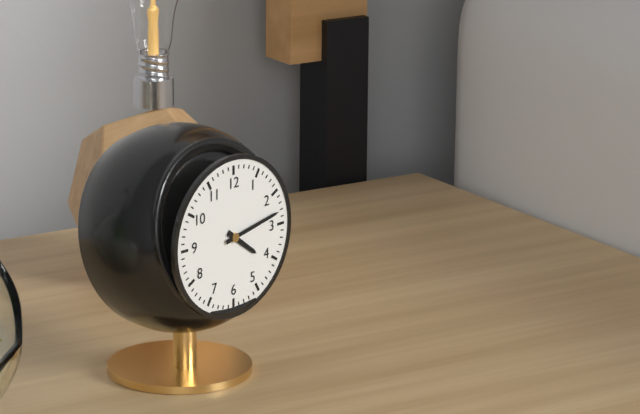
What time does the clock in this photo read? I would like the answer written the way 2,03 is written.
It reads 4,13
